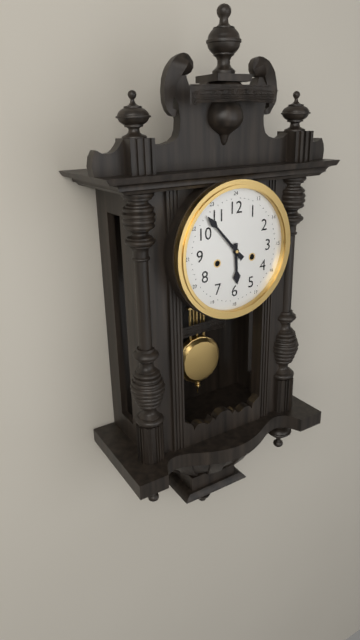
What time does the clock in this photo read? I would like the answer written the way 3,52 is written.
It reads 5,53
